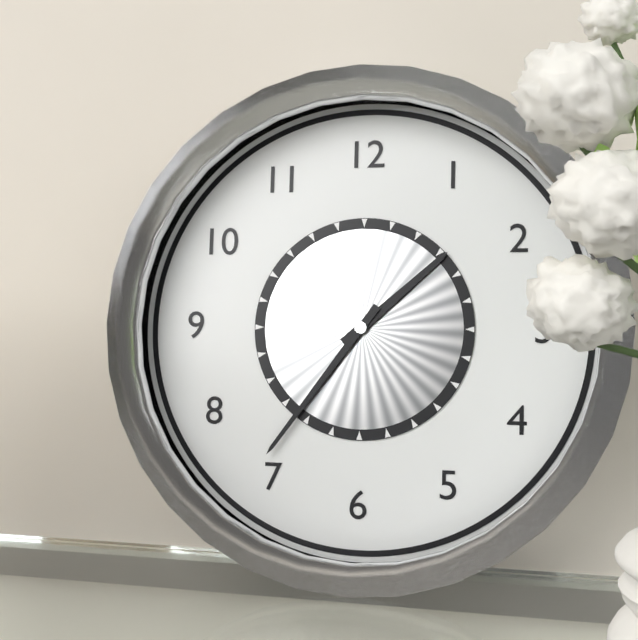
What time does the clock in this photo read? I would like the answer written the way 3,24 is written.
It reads 1,36
